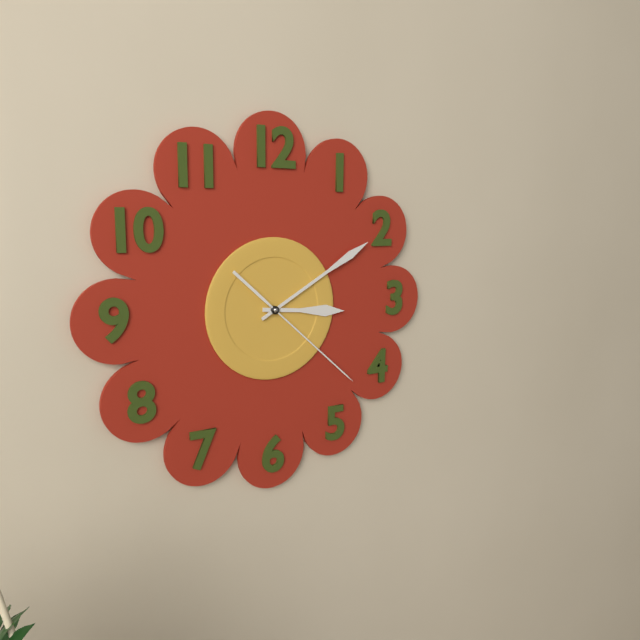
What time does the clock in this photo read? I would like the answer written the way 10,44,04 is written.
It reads 3,10,22
